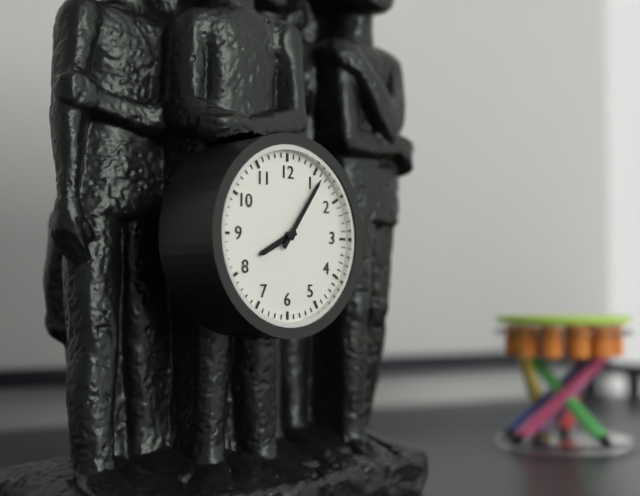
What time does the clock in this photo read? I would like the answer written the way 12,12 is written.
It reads 8,06
